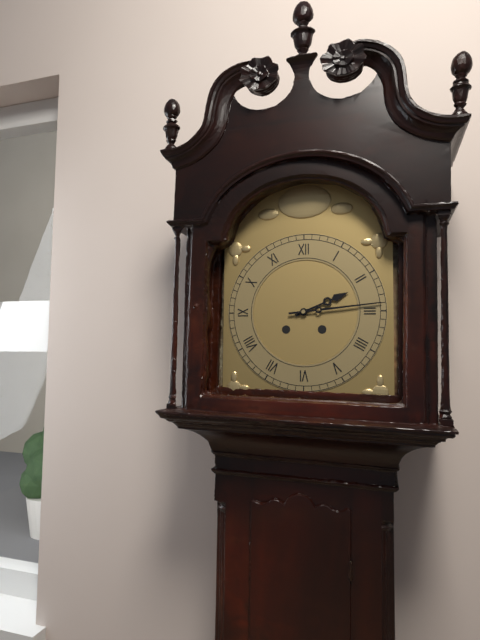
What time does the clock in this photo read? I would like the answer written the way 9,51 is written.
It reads 2,14
